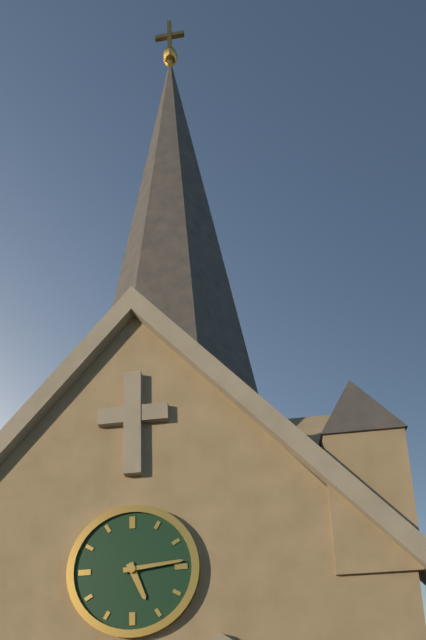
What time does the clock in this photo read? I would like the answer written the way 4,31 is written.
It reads 5,14
